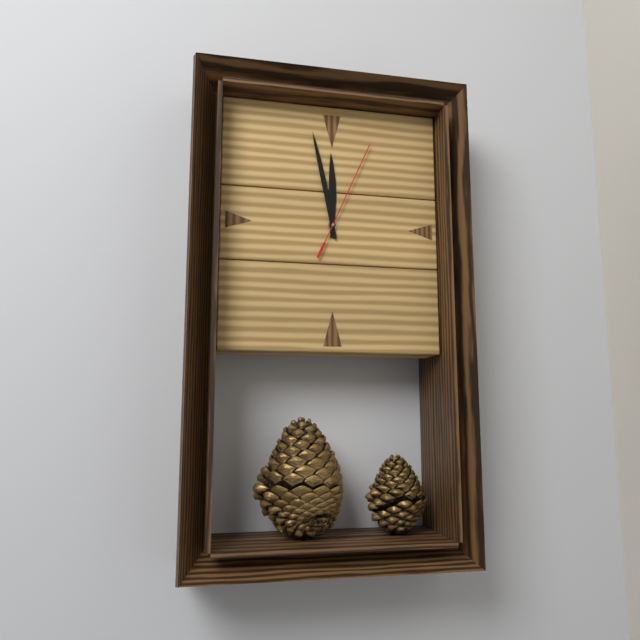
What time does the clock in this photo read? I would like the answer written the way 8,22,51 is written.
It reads 11,58,04
